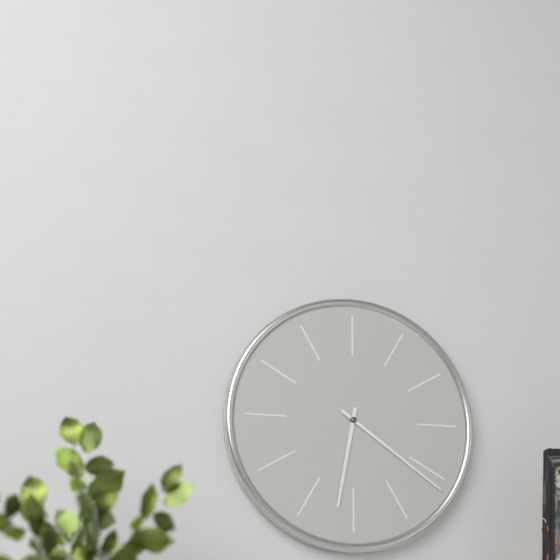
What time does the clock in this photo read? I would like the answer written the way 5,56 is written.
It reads 6,21
